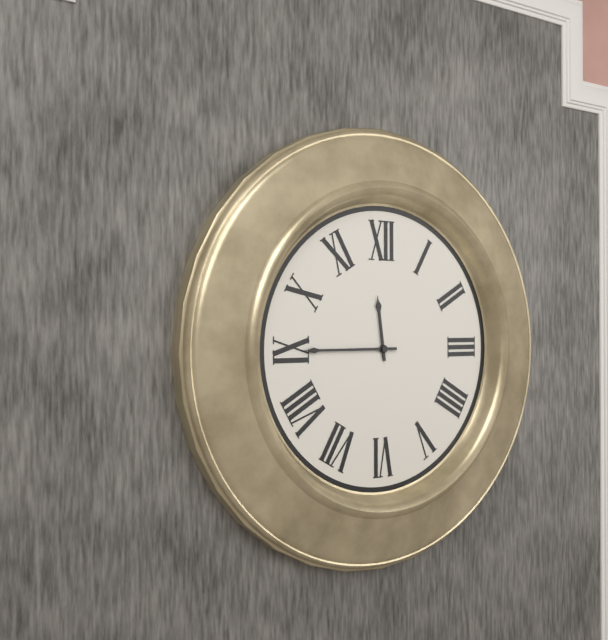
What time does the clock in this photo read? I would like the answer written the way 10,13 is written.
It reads 11,45
